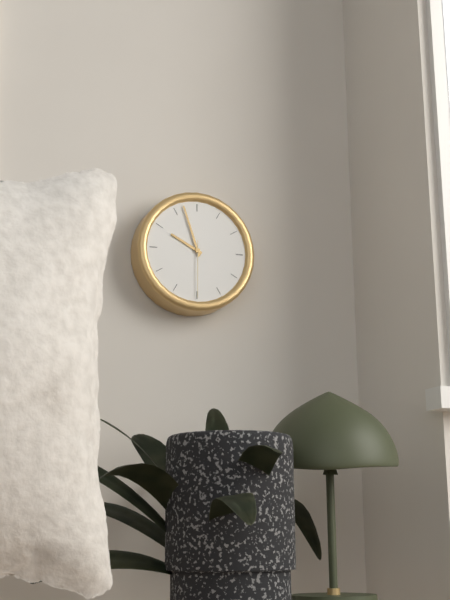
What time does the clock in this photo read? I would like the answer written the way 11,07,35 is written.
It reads 9,57,30
